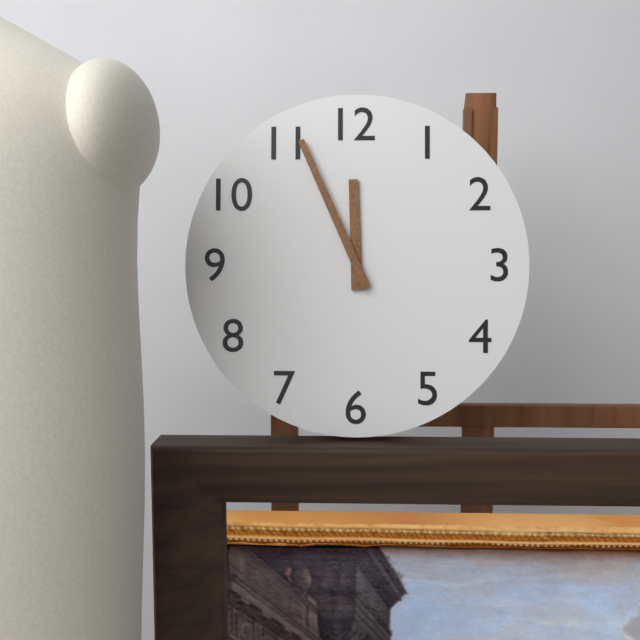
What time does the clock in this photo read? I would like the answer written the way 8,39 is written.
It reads 11,56
